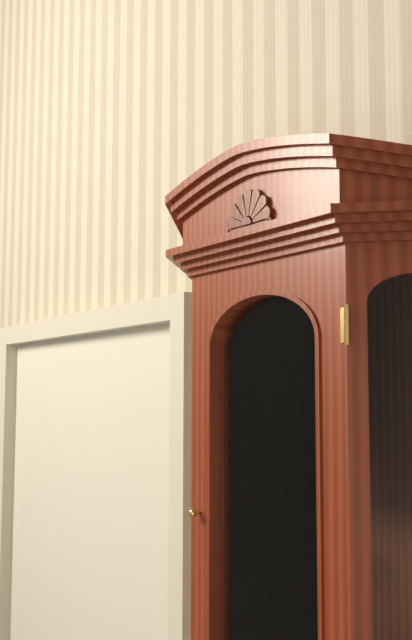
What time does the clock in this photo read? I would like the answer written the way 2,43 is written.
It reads 5,41
